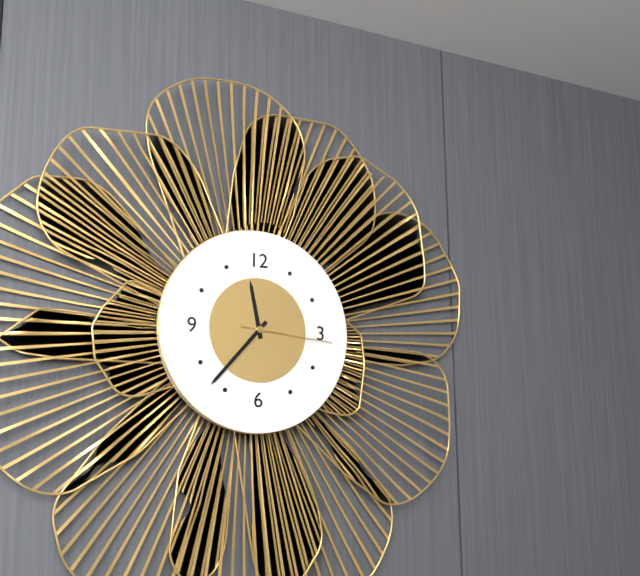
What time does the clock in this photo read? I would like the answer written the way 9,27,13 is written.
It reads 11,37,16
